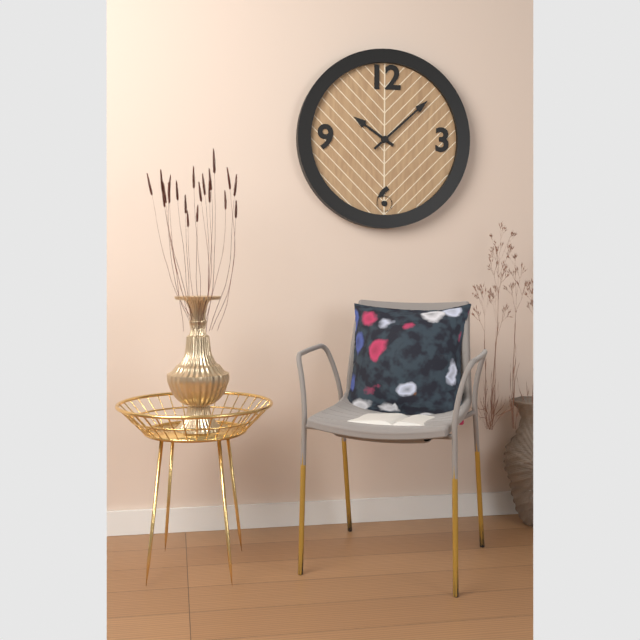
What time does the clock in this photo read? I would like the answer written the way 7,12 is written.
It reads 10,08
